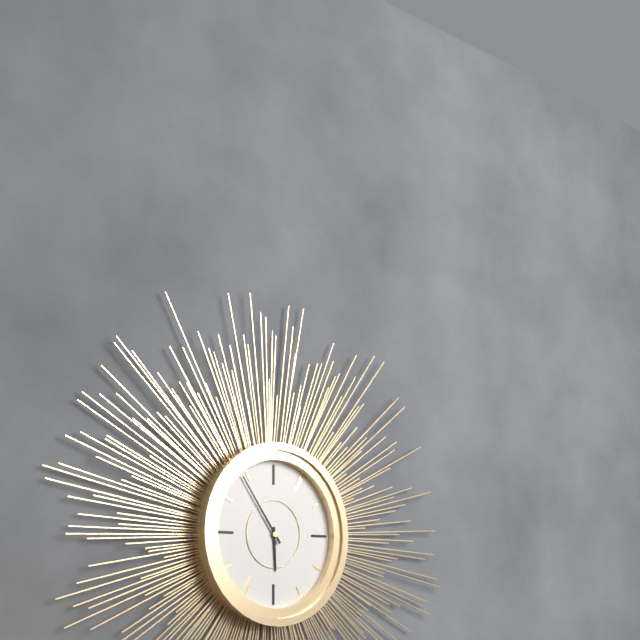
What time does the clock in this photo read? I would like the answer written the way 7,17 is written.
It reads 5,54
